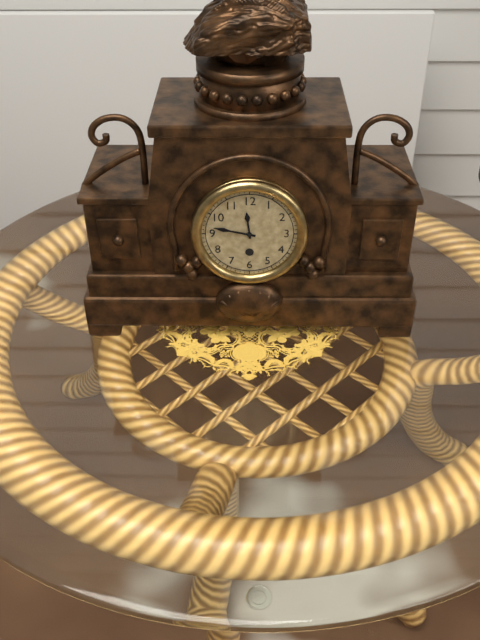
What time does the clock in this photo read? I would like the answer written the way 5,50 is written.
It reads 11,47
